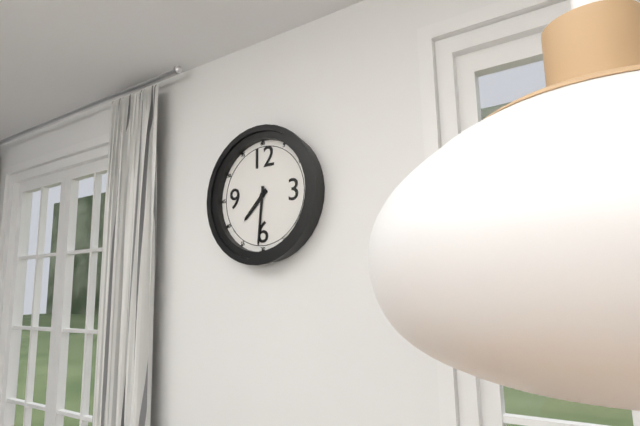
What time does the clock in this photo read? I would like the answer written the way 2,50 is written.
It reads 7,31
